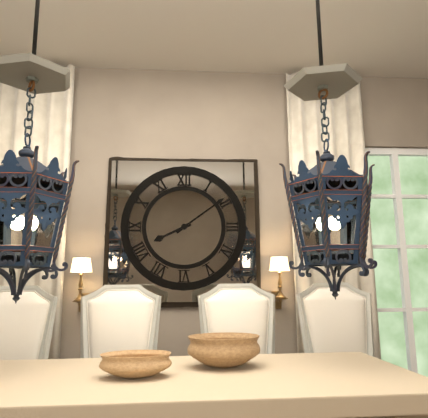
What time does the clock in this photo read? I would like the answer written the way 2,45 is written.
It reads 8,09
